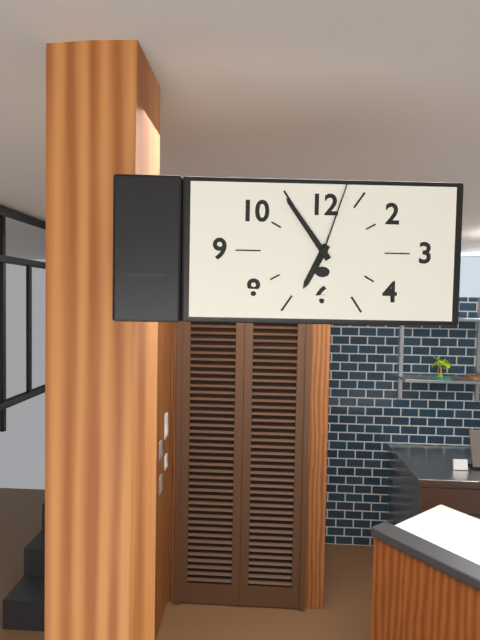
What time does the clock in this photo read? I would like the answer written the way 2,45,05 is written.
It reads 6,54,03
